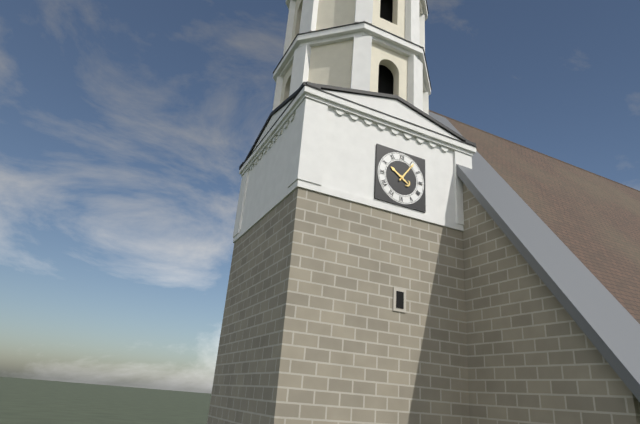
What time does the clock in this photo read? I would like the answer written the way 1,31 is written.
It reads 10,06
